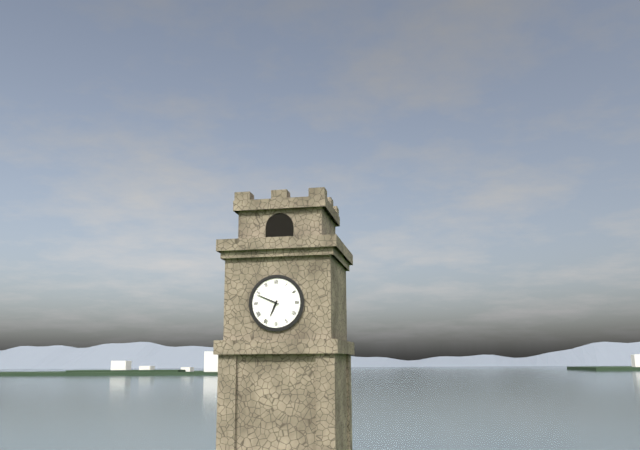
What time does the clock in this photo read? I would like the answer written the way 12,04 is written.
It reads 6,49
